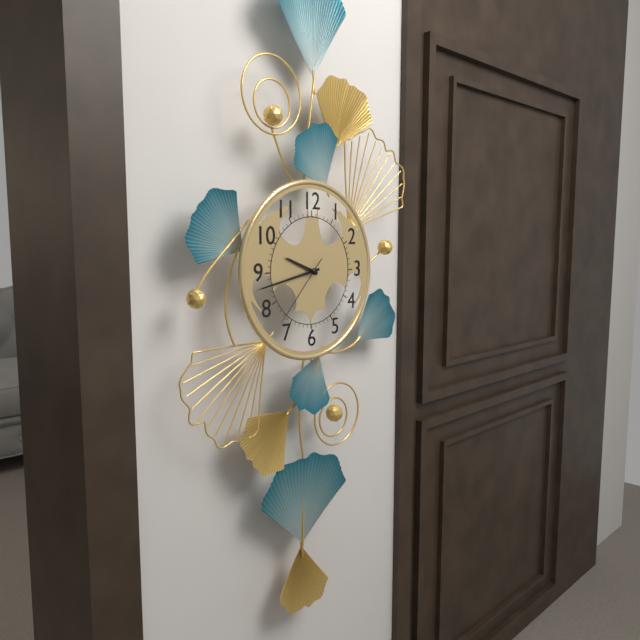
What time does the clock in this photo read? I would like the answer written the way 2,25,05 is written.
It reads 9,43,37
